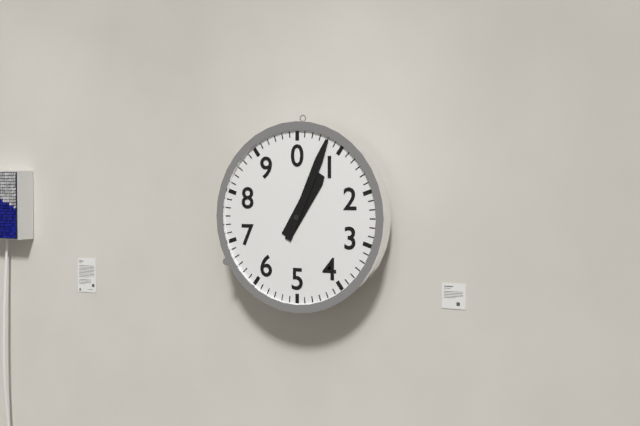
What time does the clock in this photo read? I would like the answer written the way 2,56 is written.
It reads 1,04
